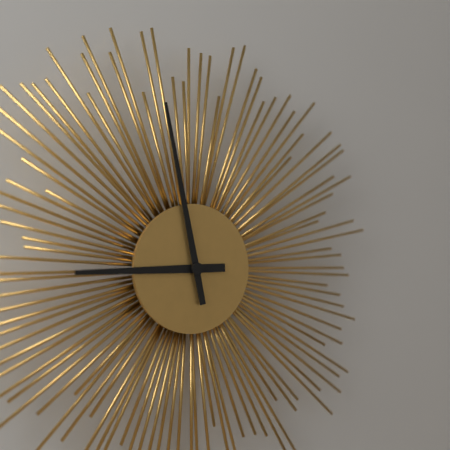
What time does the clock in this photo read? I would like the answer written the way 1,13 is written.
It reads 8,58
